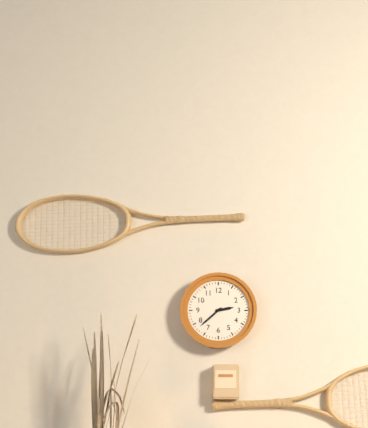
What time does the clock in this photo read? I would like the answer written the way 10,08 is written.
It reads 2,38
